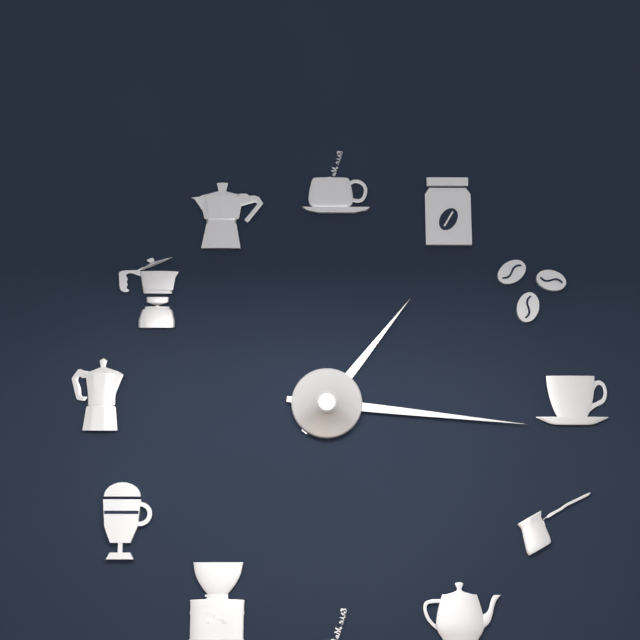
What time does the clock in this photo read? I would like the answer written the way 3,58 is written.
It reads 1,16
